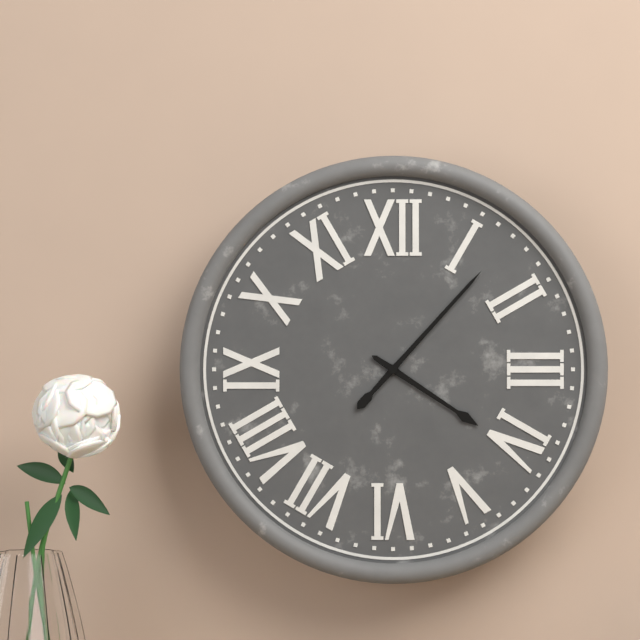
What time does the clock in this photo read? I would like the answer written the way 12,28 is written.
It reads 4,07
